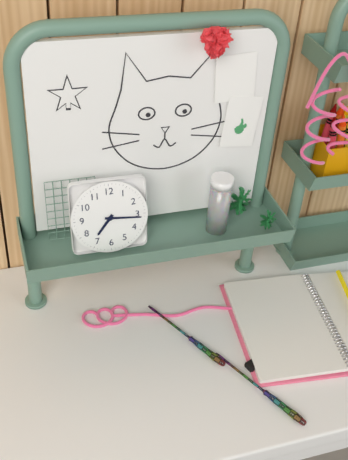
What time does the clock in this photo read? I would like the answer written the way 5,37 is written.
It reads 7,16
